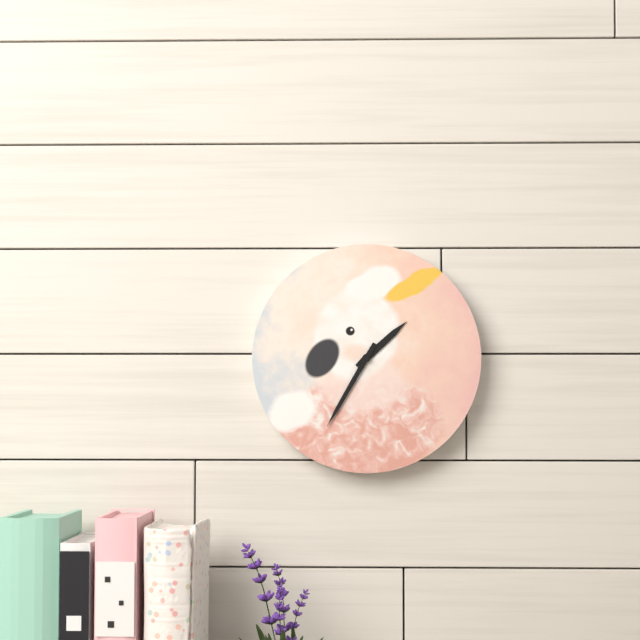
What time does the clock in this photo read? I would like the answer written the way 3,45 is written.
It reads 1,35
